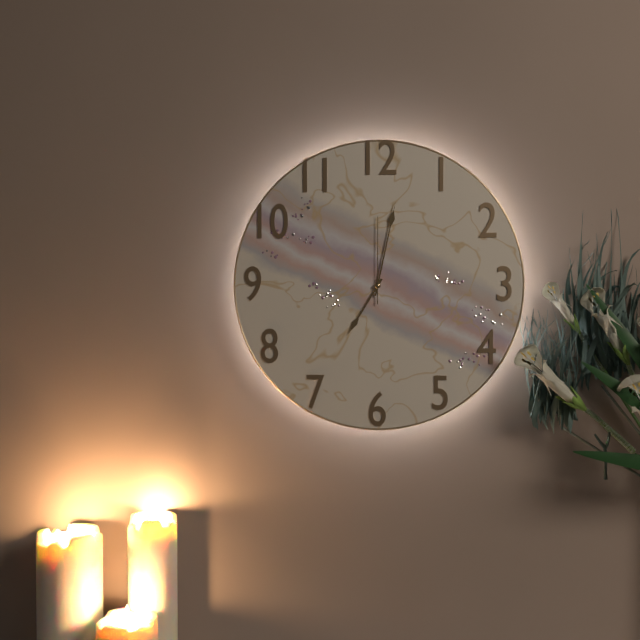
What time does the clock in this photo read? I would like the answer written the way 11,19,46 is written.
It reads 7,02,00
